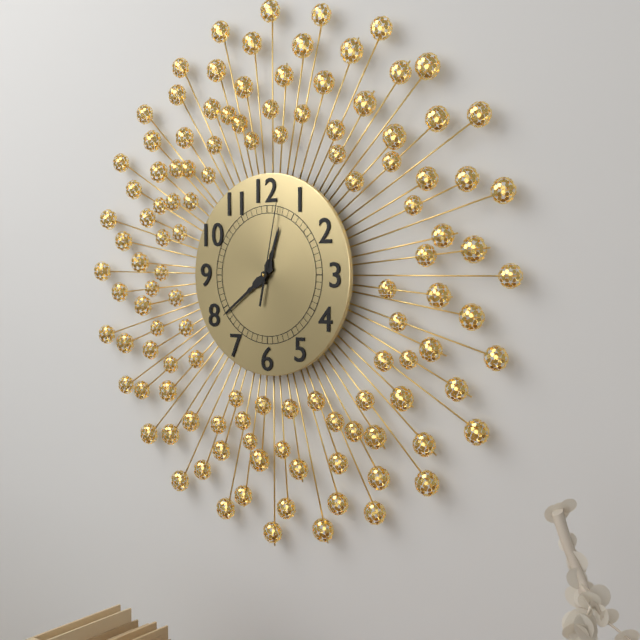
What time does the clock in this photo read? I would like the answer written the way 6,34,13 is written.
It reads 12,39,02
